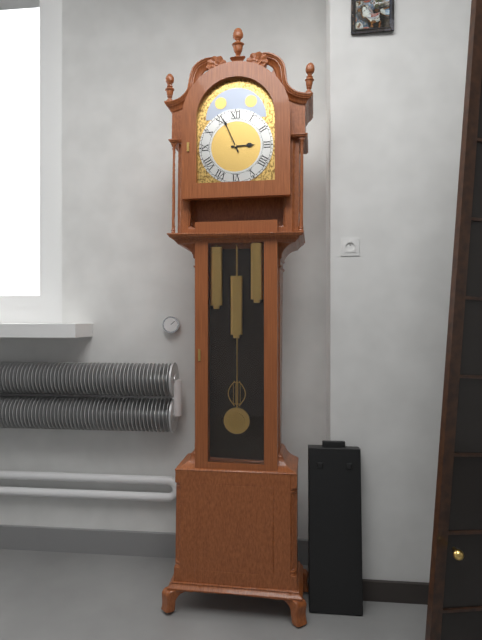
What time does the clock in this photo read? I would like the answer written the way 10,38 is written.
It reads 2,56
